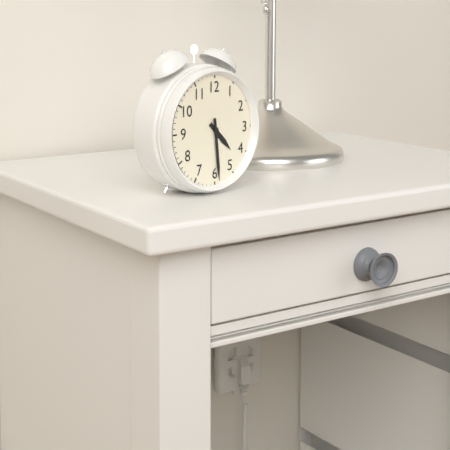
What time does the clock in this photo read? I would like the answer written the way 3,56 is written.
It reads 4,29
